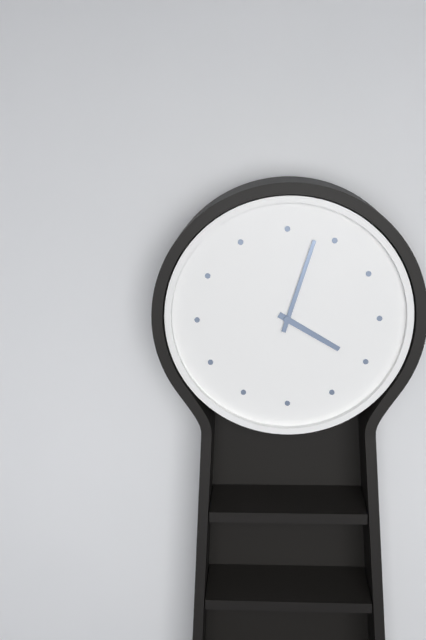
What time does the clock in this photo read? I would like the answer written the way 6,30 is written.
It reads 4,03
